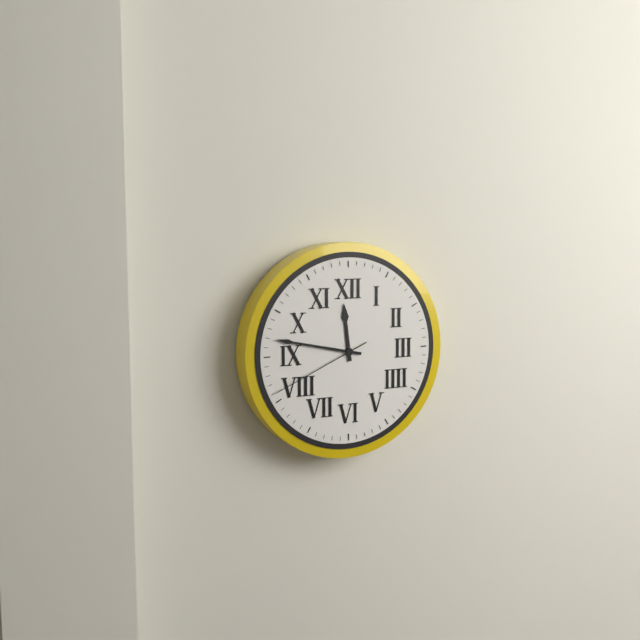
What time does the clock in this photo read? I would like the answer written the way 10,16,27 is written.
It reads 11,47,41
